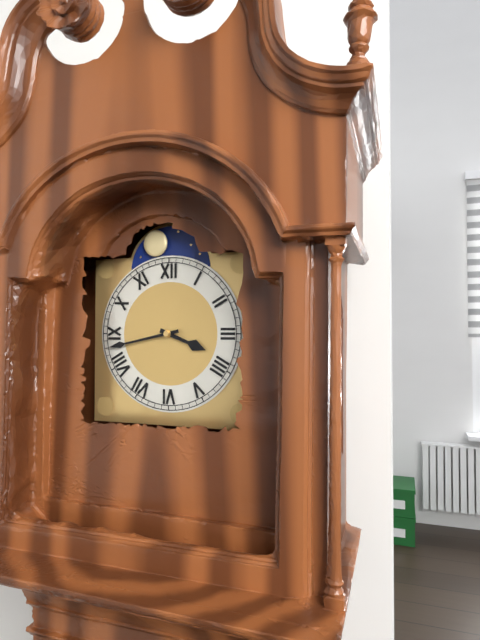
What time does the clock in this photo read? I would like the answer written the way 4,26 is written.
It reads 3,43
